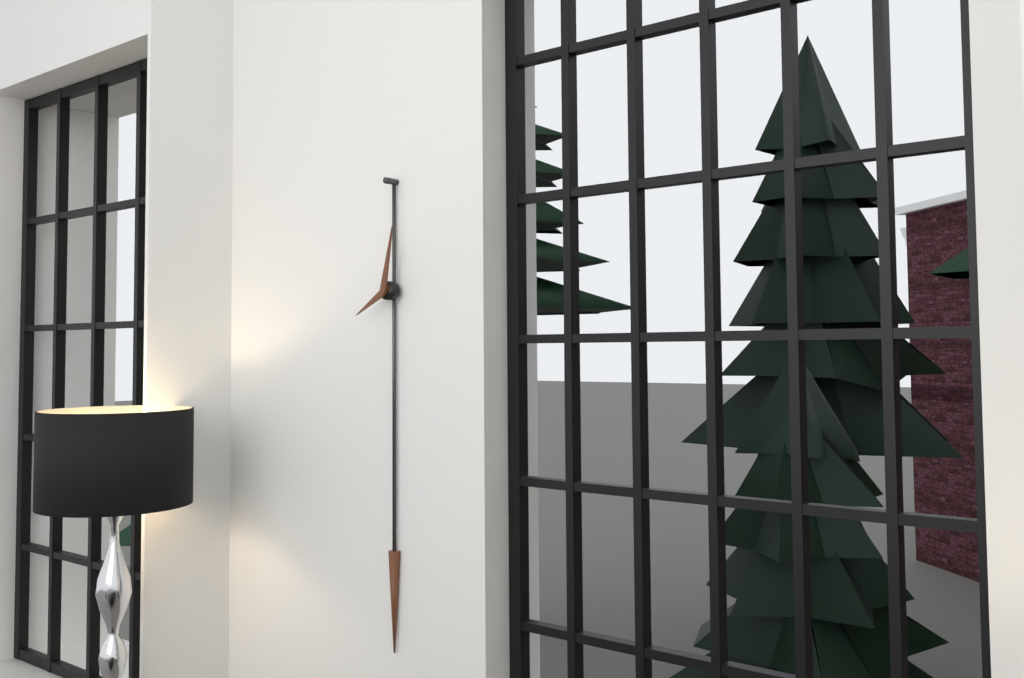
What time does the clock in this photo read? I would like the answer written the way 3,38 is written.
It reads 8,02
